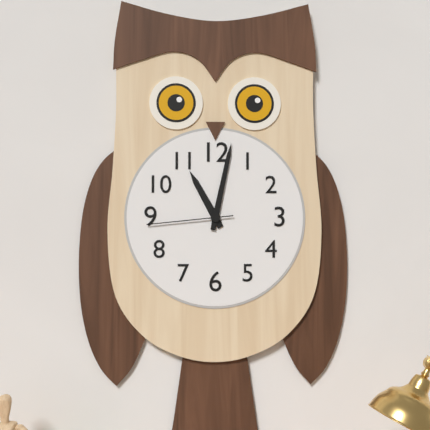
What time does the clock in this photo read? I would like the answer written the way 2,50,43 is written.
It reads 11,02,44
